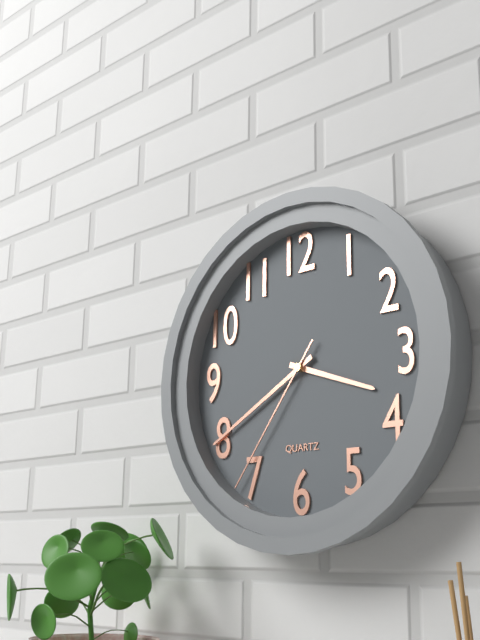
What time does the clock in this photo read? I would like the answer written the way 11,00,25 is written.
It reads 3,40,36
